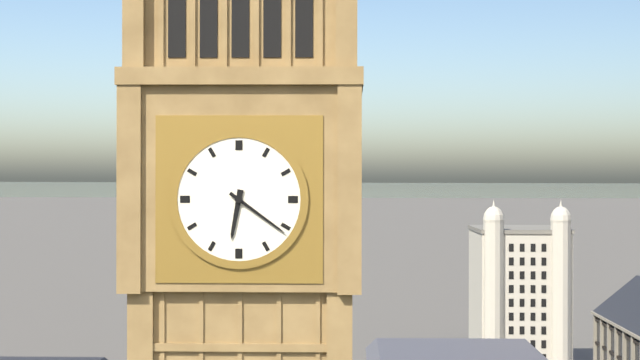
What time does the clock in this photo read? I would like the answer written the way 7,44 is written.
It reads 6,21
